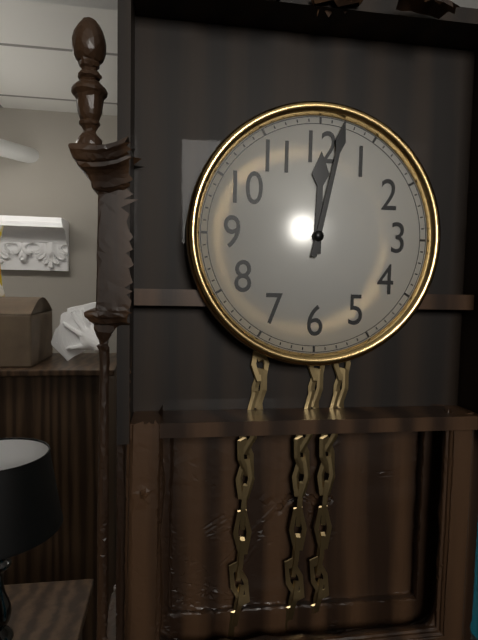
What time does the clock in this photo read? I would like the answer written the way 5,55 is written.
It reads 12,02
